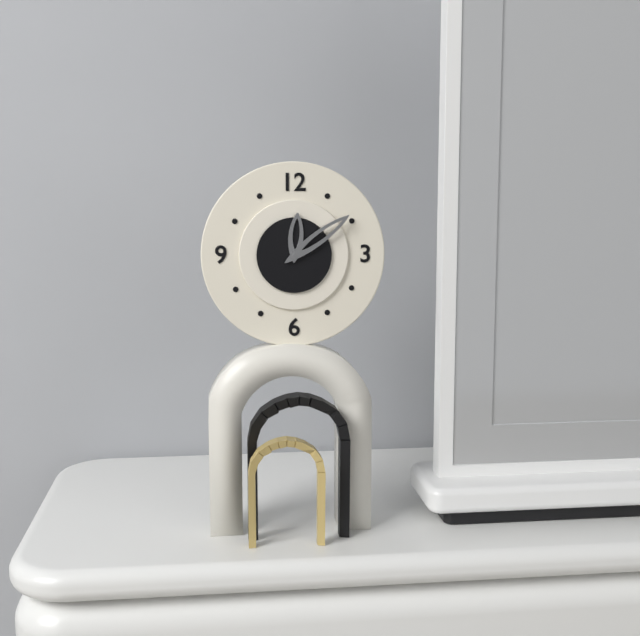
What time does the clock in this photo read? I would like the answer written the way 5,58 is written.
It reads 12,09
